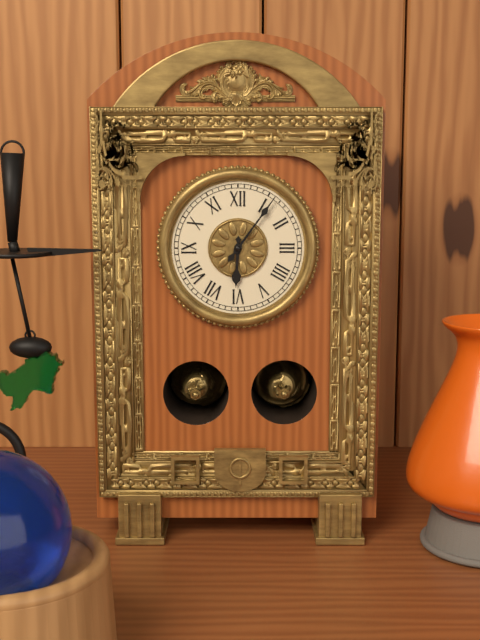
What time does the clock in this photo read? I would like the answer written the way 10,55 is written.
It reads 6,06
